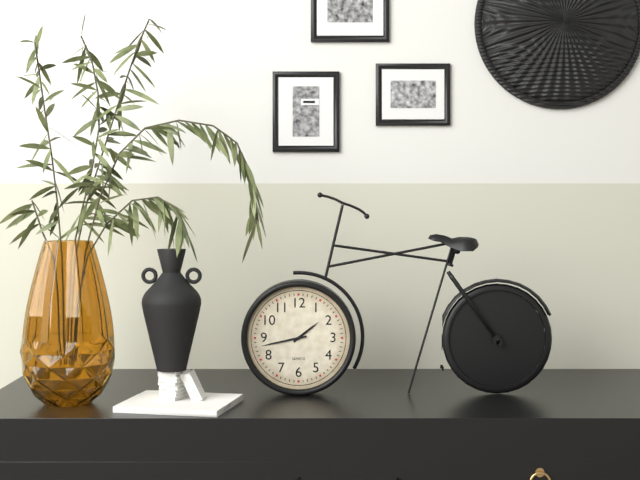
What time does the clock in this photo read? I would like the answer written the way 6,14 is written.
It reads 1,43
